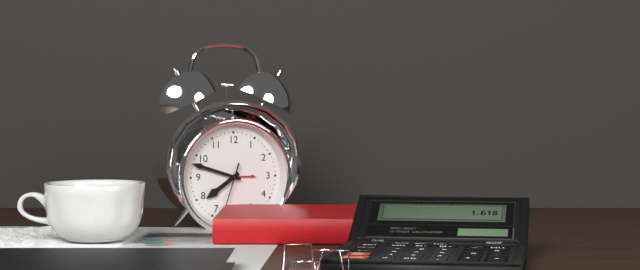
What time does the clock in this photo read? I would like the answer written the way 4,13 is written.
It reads 7,48
